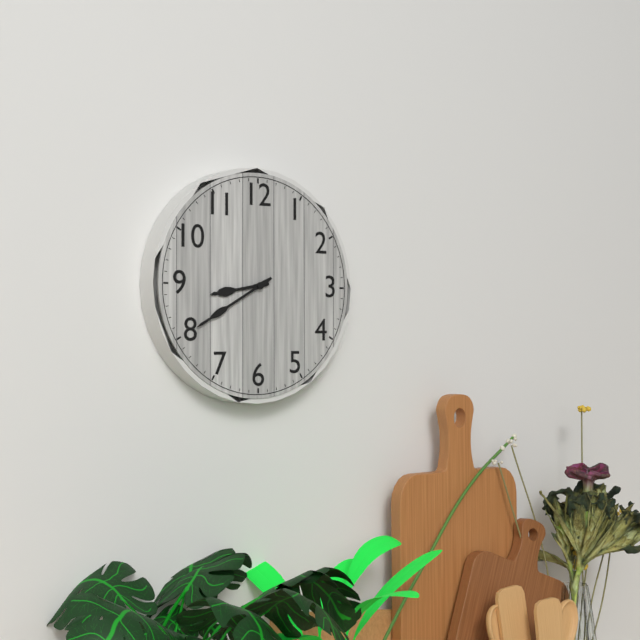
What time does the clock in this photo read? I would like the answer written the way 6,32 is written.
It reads 8,40
